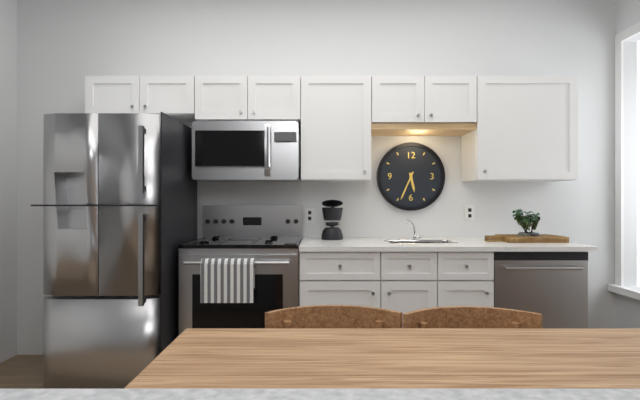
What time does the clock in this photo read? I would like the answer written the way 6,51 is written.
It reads 5,34
